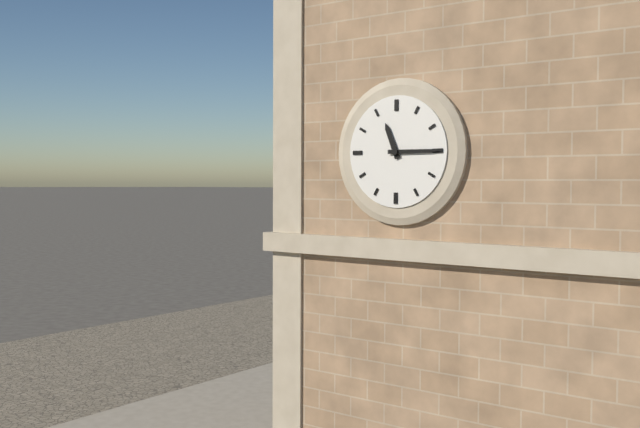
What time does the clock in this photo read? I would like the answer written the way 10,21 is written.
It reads 11,15
